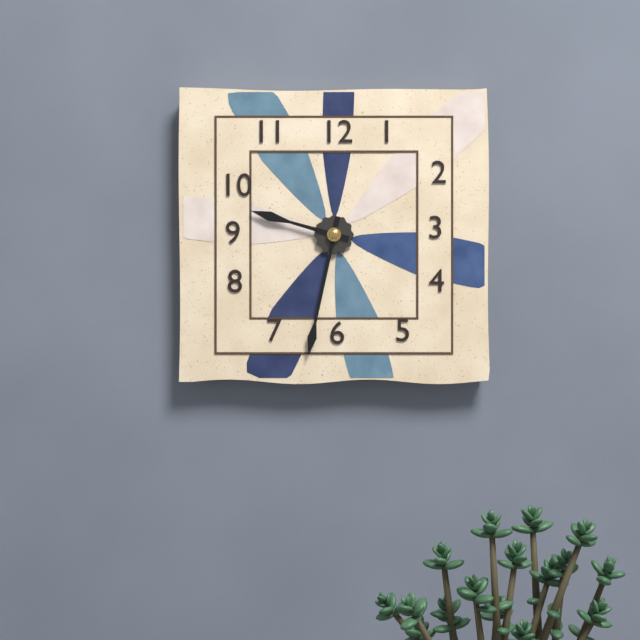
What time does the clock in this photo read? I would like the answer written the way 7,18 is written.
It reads 9,32
